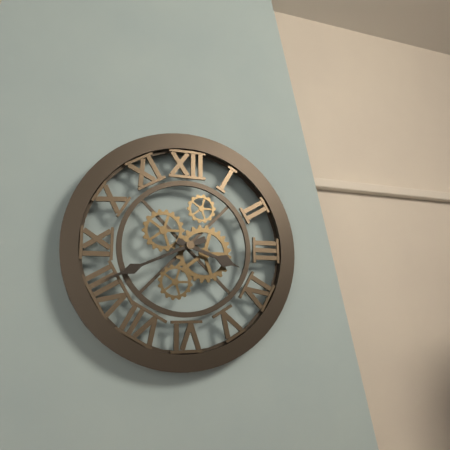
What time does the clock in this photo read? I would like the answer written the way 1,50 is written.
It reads 3,41
